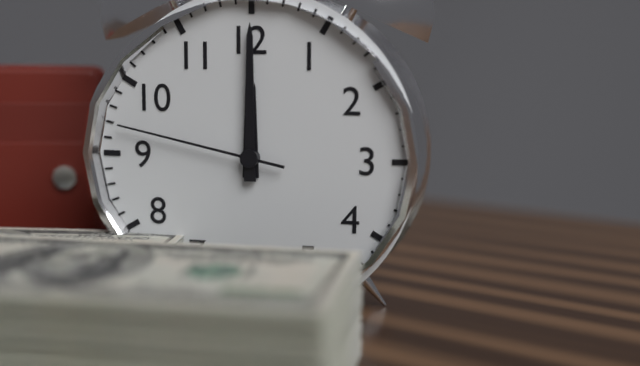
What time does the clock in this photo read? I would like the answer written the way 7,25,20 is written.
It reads 12,00,47
